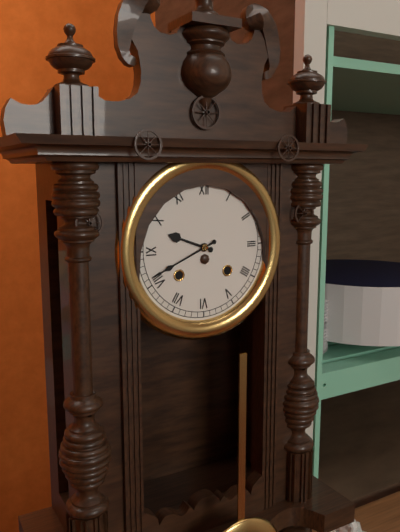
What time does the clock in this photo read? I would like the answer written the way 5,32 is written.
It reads 9,41
